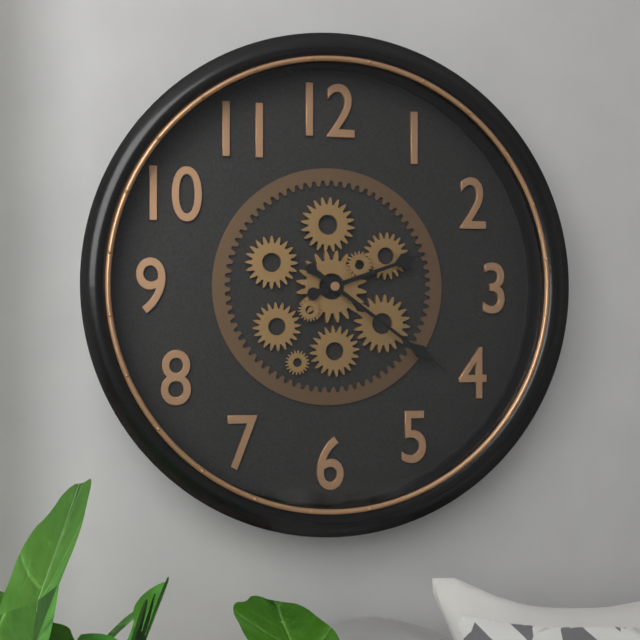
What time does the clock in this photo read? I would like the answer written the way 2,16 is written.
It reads 2,21
